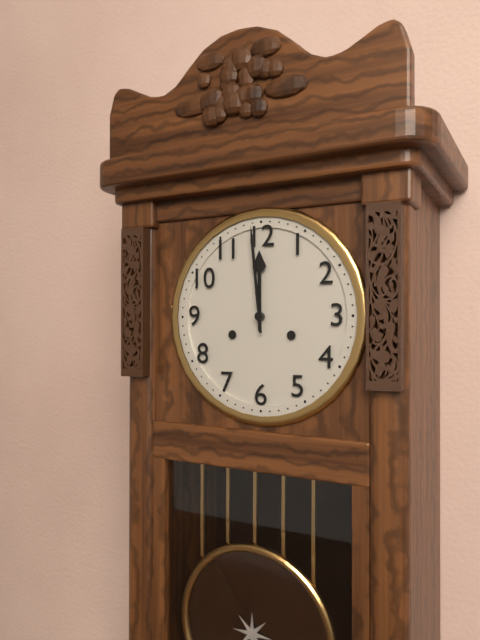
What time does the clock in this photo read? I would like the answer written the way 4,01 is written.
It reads 11,59
